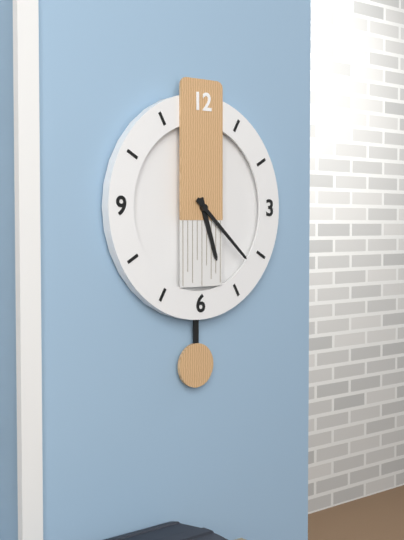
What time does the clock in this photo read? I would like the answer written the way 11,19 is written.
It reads 5,22
